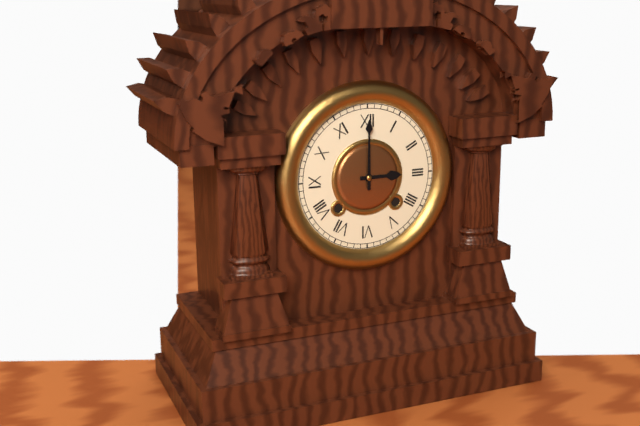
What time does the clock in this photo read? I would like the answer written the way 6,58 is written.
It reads 3,00
